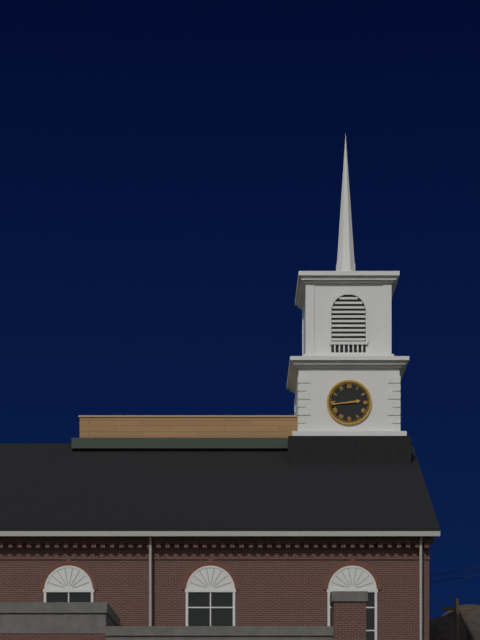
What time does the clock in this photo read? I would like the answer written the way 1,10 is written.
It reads 2,44
